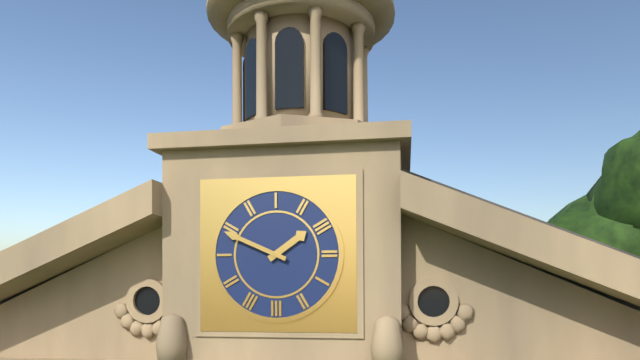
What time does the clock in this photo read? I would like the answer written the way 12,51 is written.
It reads 1,49
